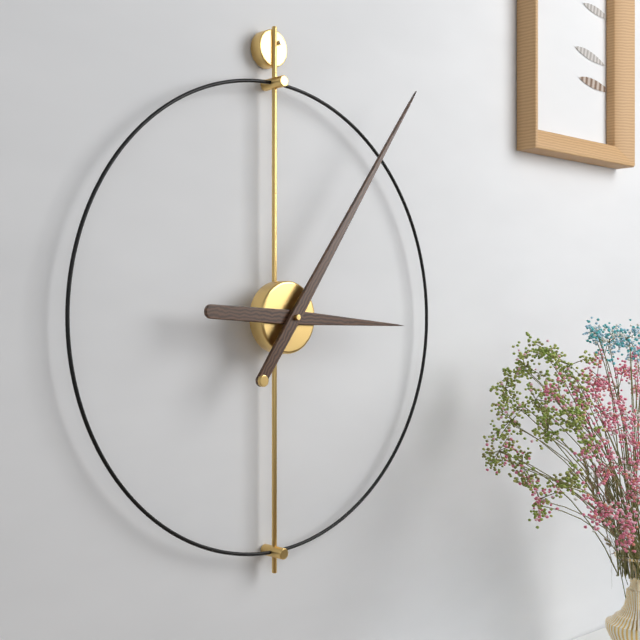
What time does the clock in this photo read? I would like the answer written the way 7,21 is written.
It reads 3,06
